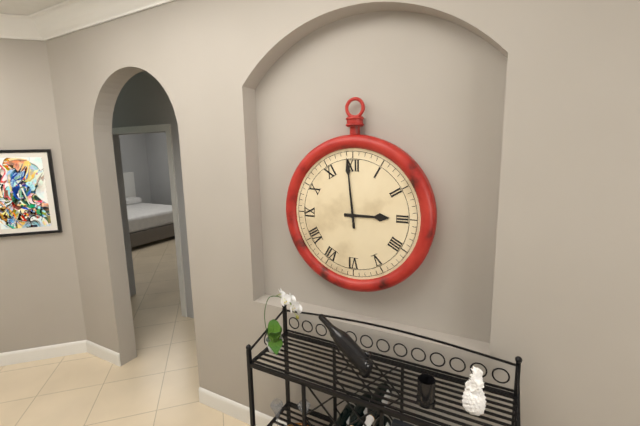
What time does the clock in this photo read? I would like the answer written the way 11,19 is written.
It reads 2,59
